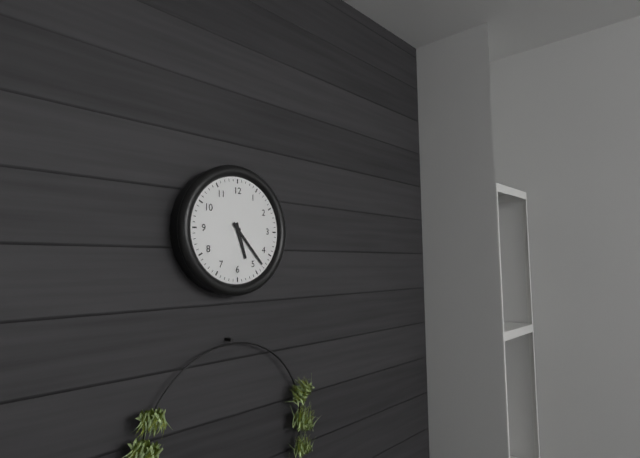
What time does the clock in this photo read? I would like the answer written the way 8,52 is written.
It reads 5,23
